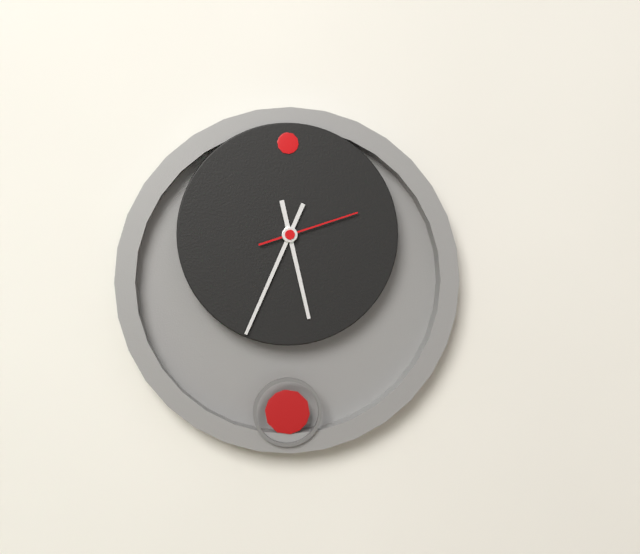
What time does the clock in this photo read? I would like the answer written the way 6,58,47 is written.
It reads 5,34,12
